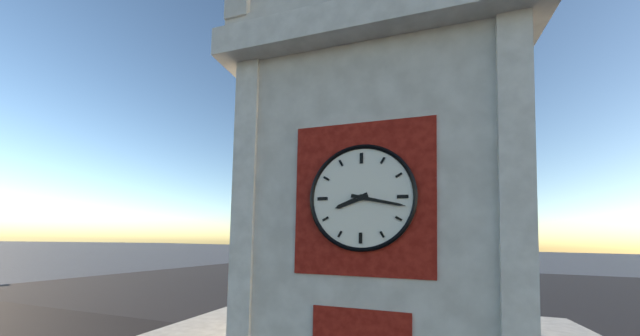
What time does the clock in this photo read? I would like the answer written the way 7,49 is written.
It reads 8,17
